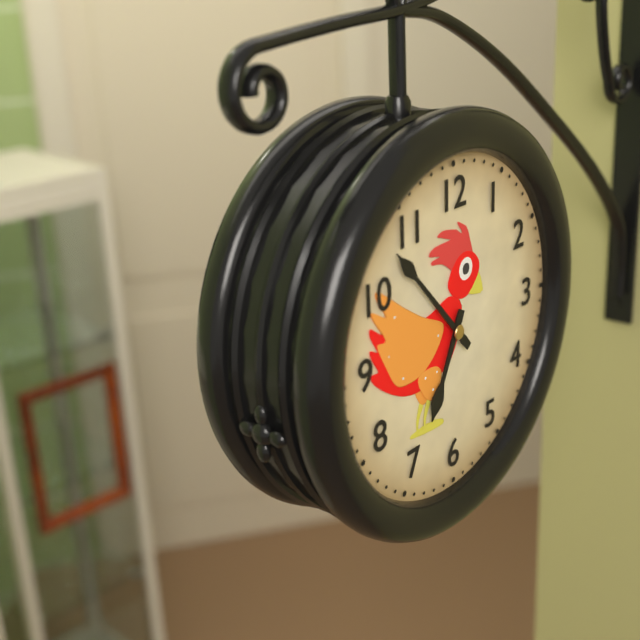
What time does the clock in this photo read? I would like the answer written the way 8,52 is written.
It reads 6,53
